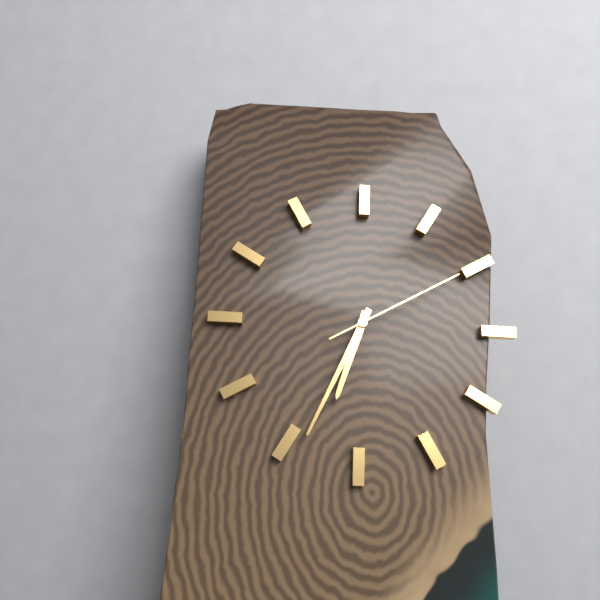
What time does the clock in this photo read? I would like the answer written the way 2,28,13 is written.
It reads 6,34,10
